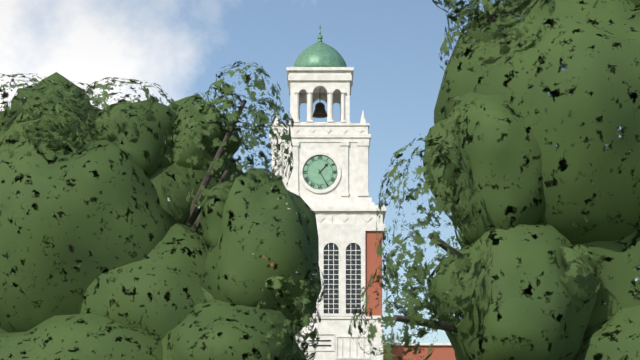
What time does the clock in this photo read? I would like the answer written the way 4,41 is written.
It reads 1,25
